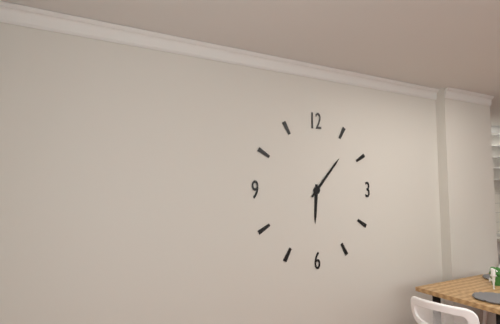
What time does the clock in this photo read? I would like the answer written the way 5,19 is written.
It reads 6,07
